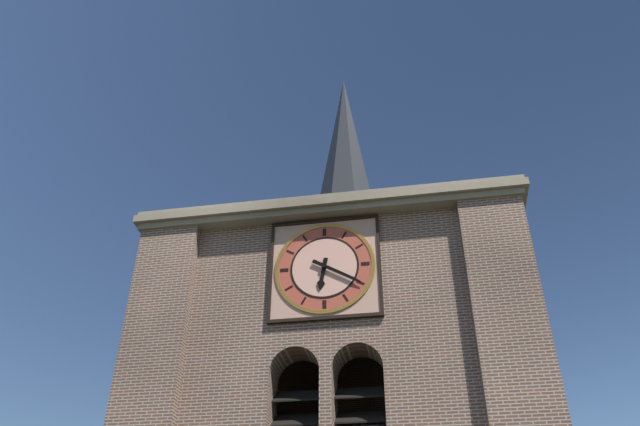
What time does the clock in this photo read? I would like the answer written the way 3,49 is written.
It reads 6,20
